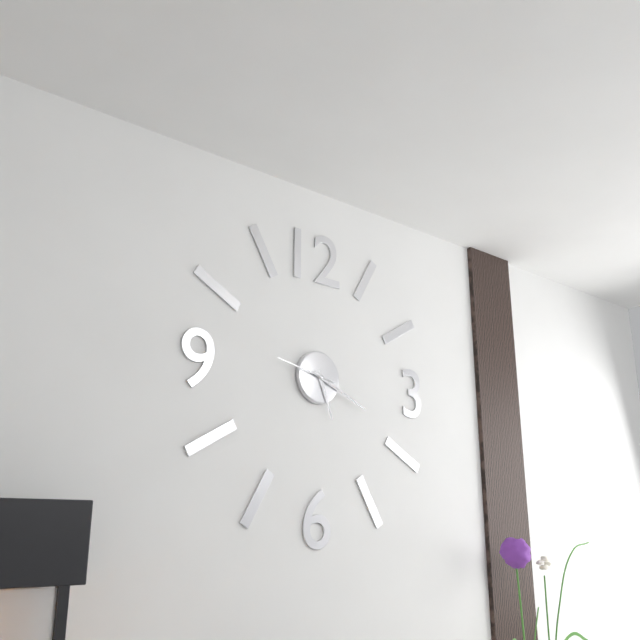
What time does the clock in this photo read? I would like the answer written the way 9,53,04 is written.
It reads 5,19,47
